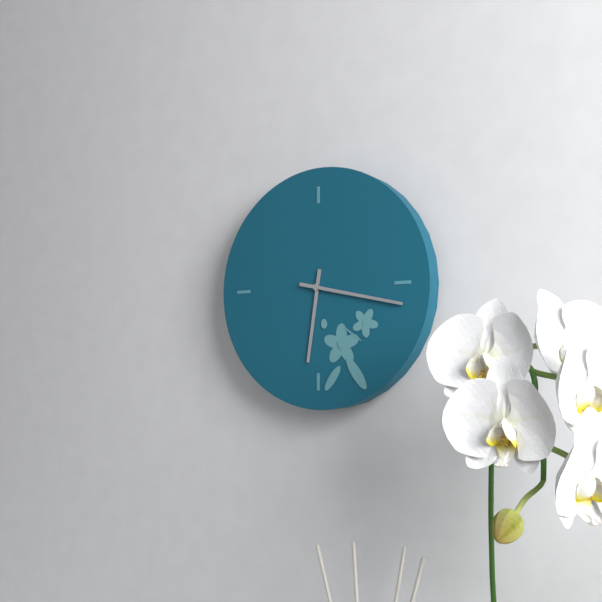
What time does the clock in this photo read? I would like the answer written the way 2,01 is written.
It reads 6,17
